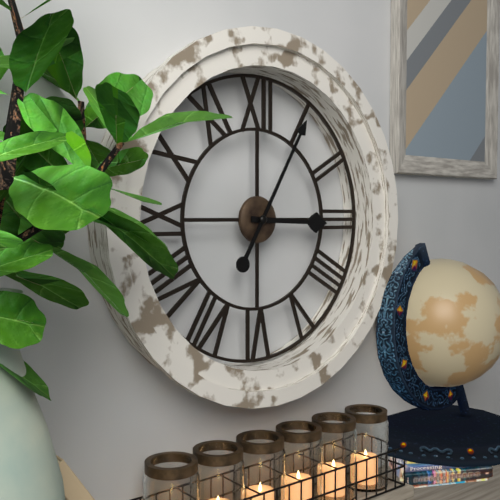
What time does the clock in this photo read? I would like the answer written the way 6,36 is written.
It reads 3,05
